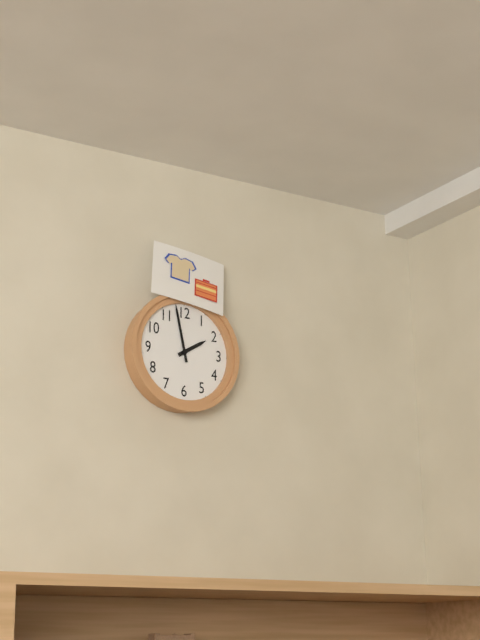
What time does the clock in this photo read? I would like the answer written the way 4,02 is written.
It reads 1,58
